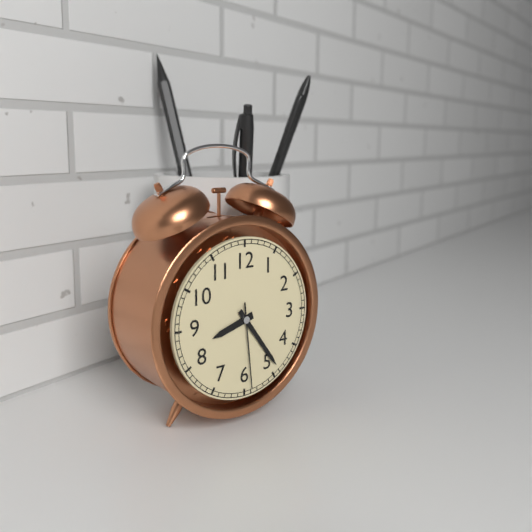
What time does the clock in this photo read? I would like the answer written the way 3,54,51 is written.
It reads 8,24,29
